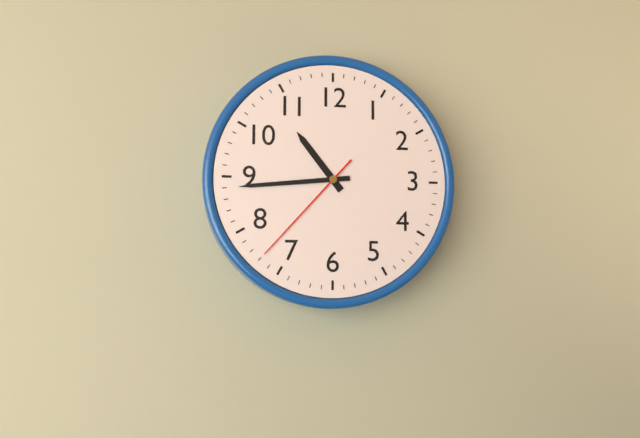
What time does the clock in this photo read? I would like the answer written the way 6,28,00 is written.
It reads 10,44,37
